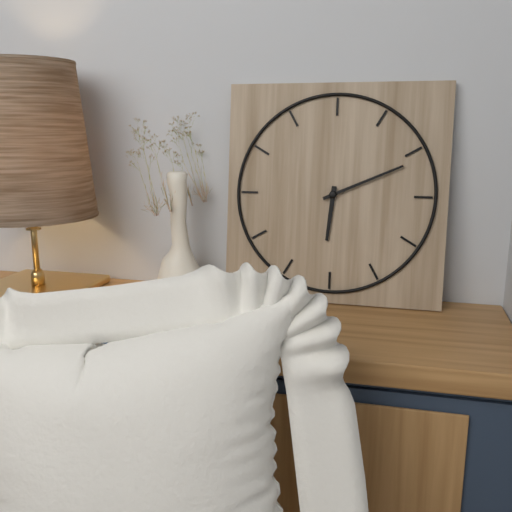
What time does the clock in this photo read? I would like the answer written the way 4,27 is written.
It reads 6,11
